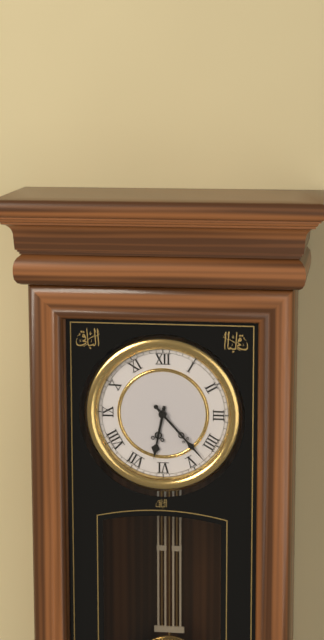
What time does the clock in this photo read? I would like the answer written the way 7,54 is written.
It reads 6,23
